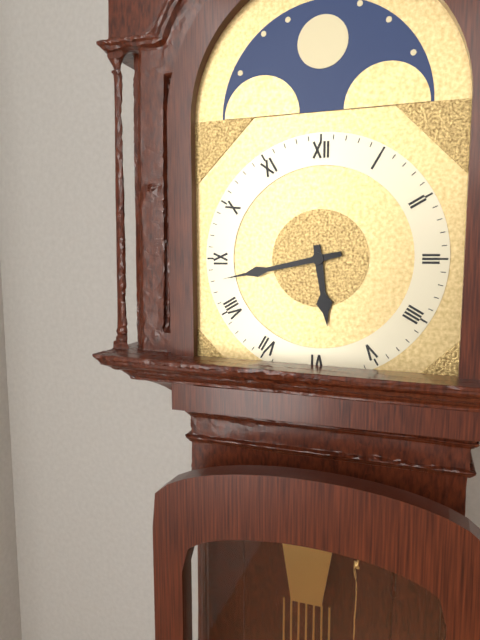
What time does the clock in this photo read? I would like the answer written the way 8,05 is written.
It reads 5,43
